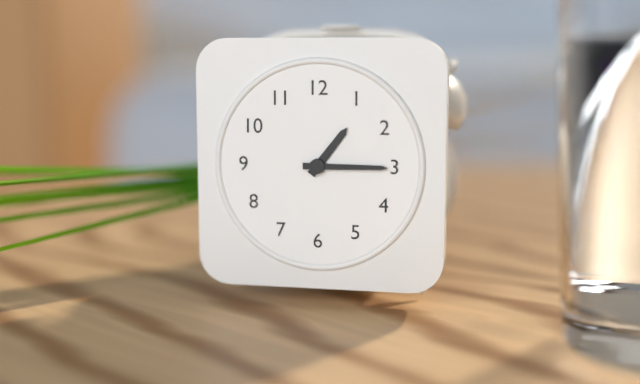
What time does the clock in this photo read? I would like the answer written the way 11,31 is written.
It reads 1,15
